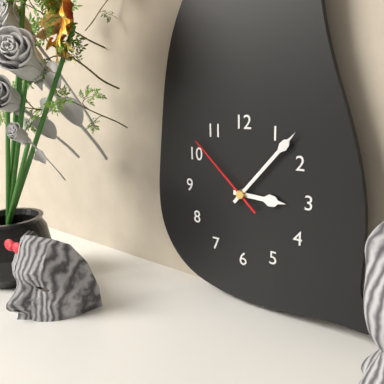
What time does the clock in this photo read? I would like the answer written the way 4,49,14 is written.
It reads 3,07,52
